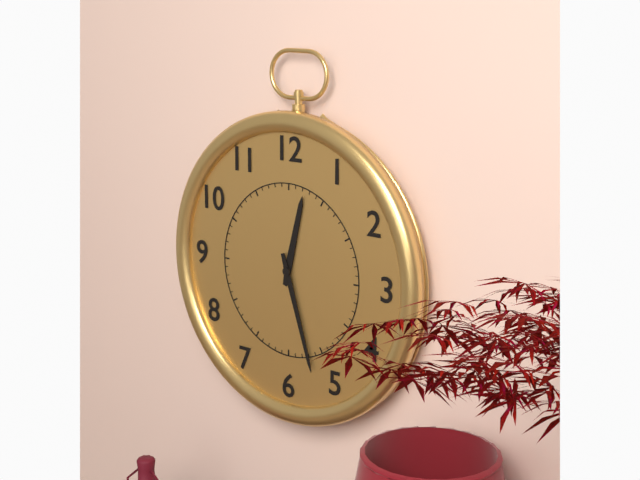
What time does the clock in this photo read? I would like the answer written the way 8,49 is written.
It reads 12,27
